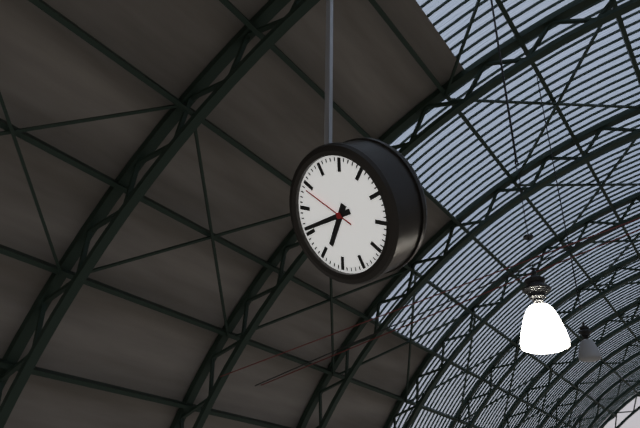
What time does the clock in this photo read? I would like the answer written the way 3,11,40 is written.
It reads 7,46,54
